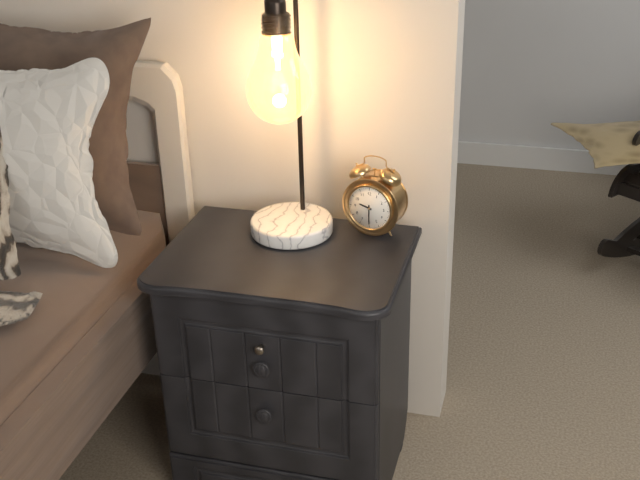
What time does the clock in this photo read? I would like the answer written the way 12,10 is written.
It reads 9,30
